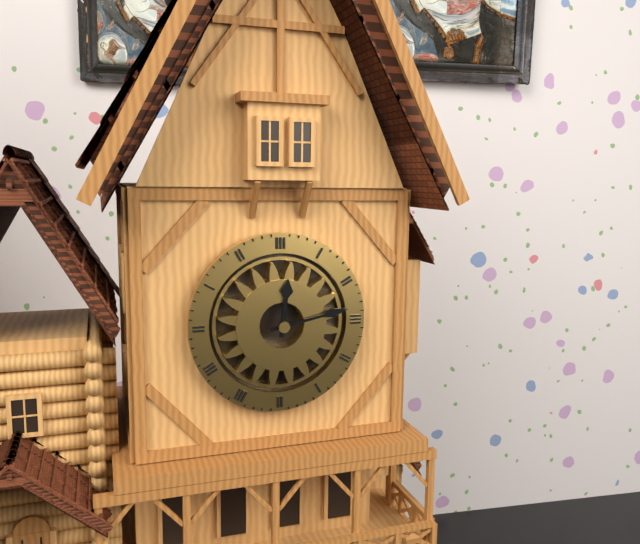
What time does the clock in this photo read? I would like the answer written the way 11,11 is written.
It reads 12,13
